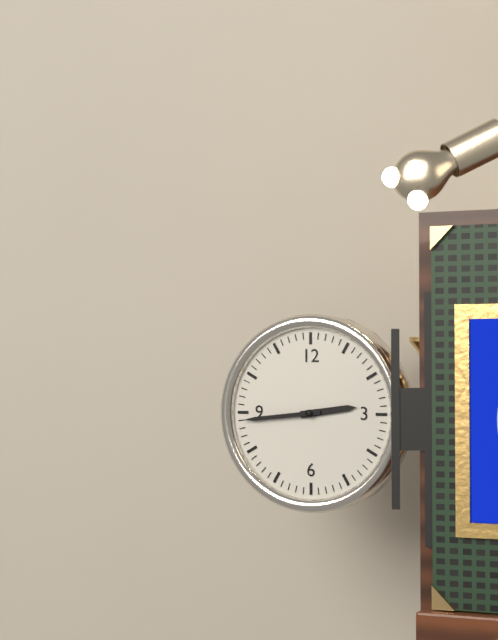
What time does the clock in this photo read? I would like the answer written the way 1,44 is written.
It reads 2,44
